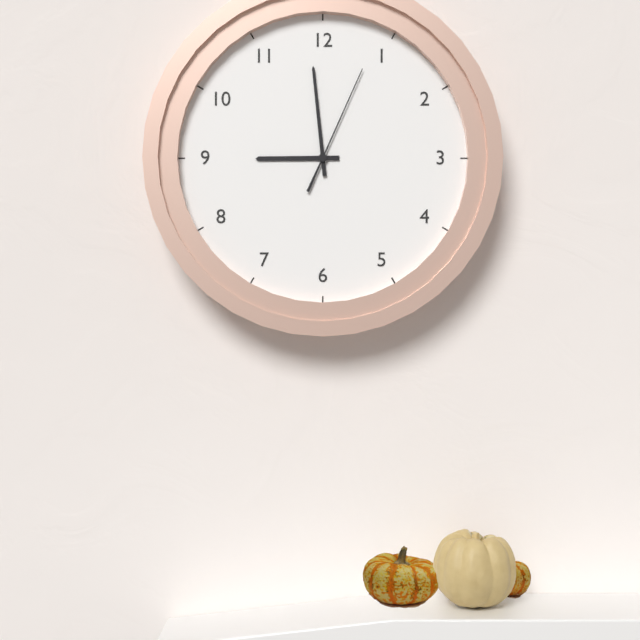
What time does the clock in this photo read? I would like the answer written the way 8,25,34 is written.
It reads 8,59,04
